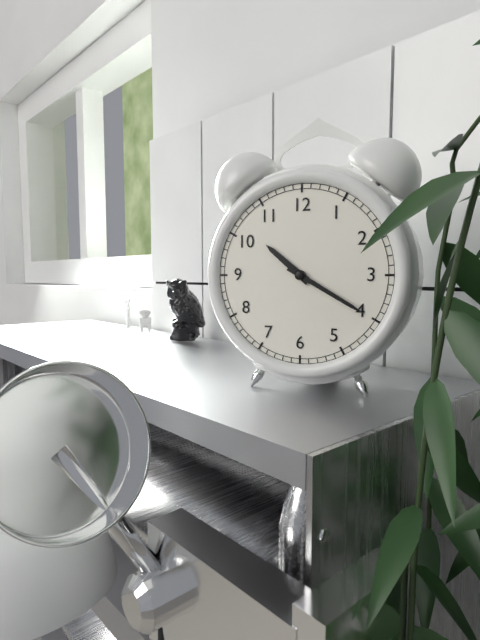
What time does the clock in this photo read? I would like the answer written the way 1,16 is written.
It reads 10,20
